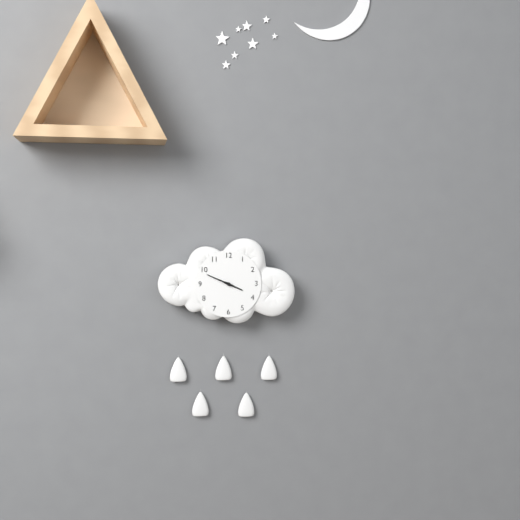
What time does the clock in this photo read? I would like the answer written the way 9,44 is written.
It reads 3,49
